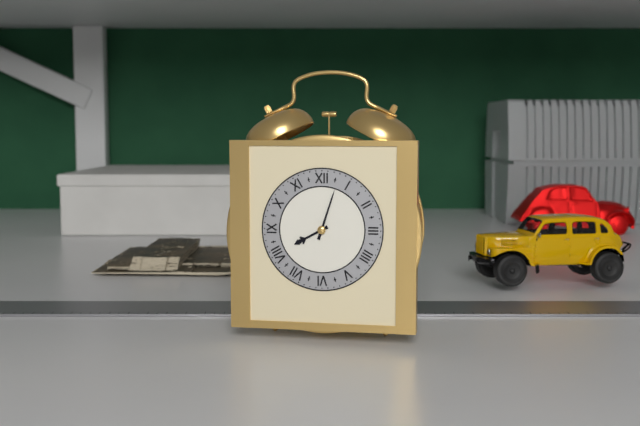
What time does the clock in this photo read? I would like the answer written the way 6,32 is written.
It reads 8,03
